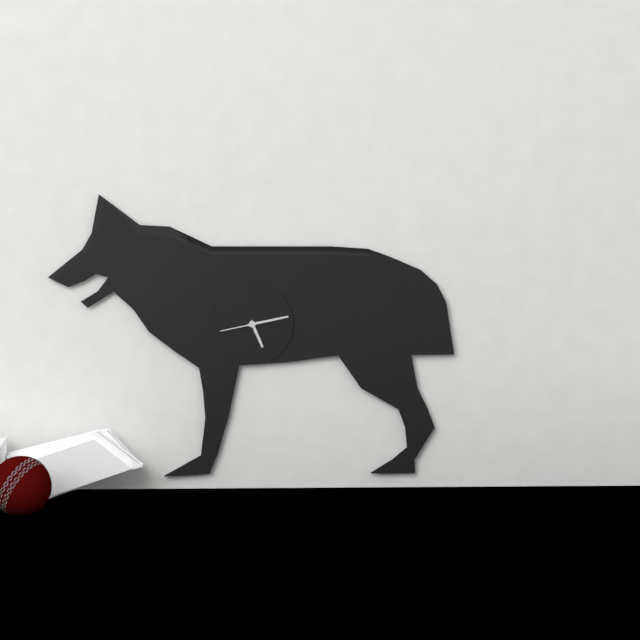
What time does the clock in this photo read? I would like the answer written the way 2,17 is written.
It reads 5,13
